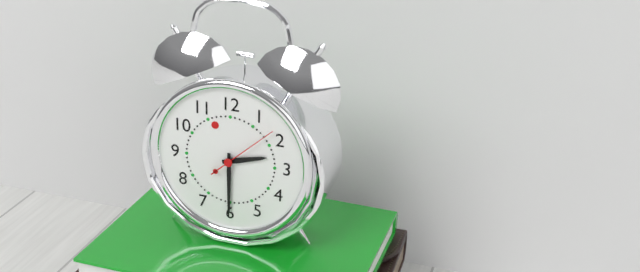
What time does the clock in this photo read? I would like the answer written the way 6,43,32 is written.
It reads 2,30,08
